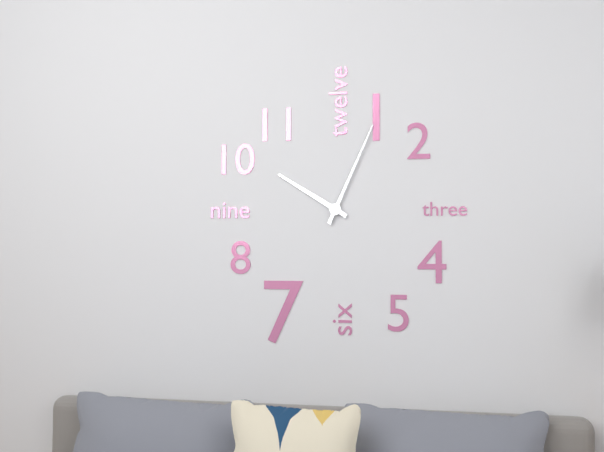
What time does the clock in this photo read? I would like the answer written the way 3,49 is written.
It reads 10,04
